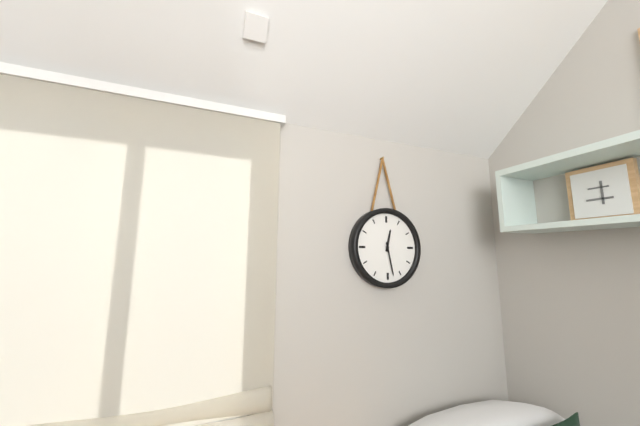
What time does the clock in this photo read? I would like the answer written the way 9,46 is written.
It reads 12,28
